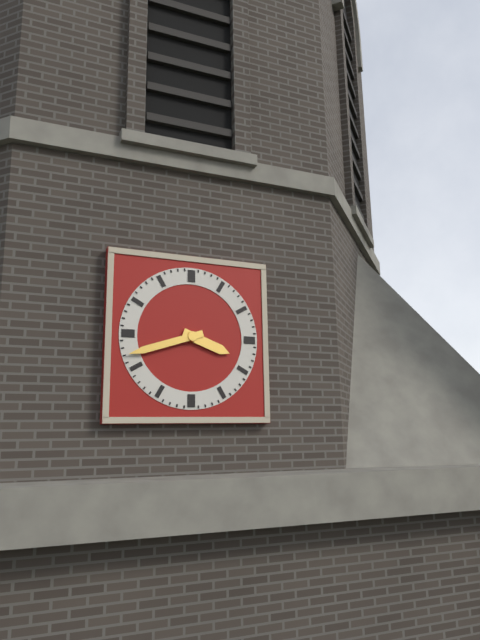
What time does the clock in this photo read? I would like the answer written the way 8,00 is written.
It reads 3,42
